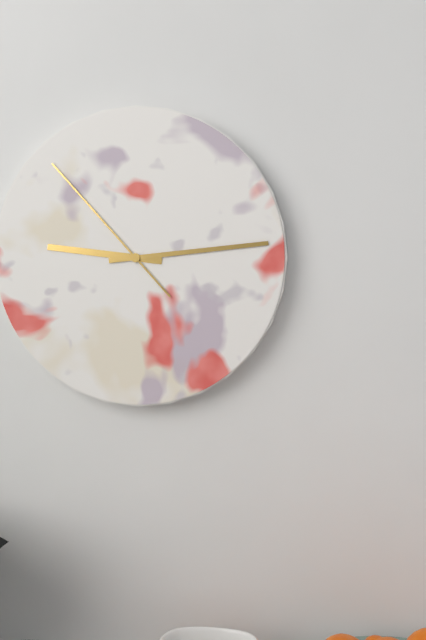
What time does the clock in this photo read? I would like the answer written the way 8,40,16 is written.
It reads 9,14,53
